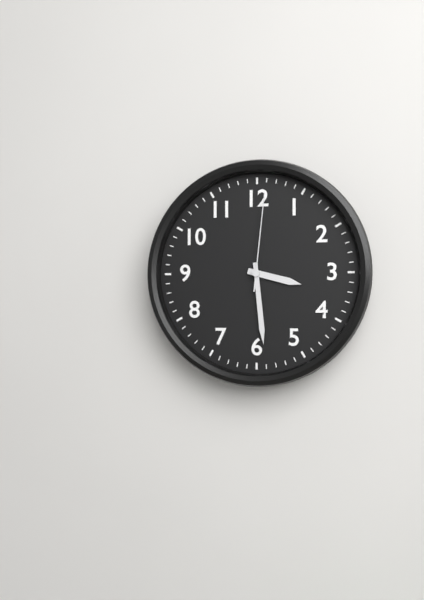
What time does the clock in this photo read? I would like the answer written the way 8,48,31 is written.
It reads 3,29,01
